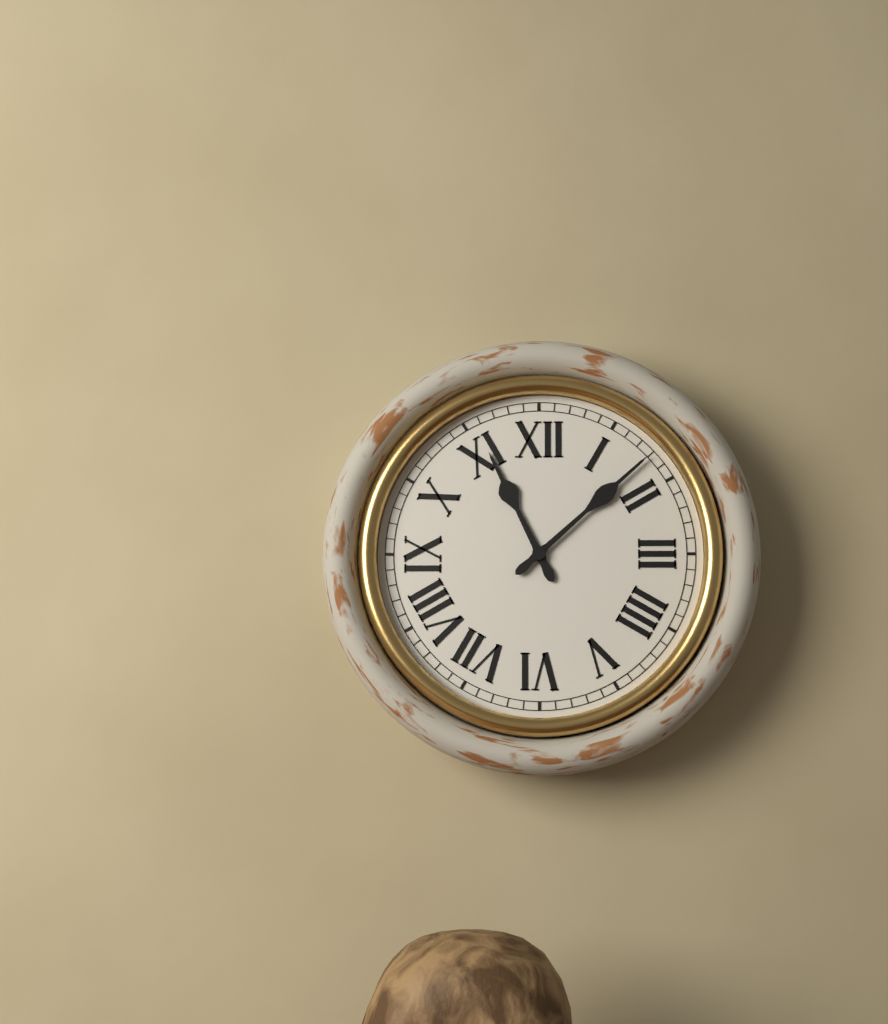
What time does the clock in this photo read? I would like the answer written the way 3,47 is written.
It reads 11,08
